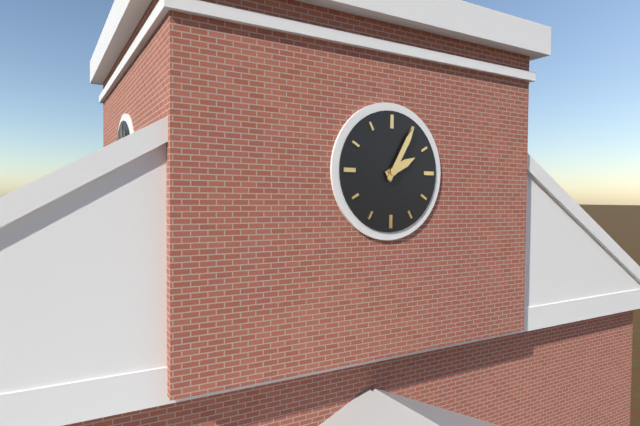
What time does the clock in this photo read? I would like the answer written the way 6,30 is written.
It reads 2,05
